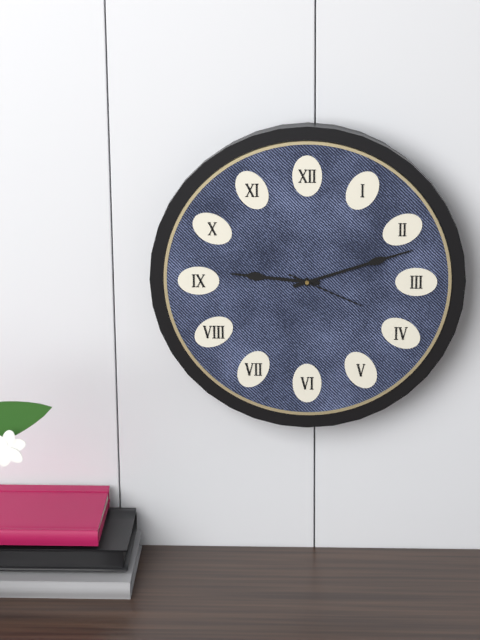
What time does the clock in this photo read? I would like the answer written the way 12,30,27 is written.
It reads 9,12,19
